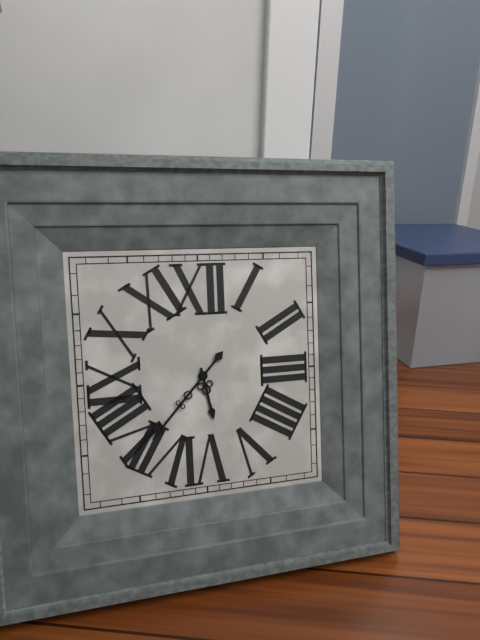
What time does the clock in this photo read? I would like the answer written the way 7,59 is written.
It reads 5,37
